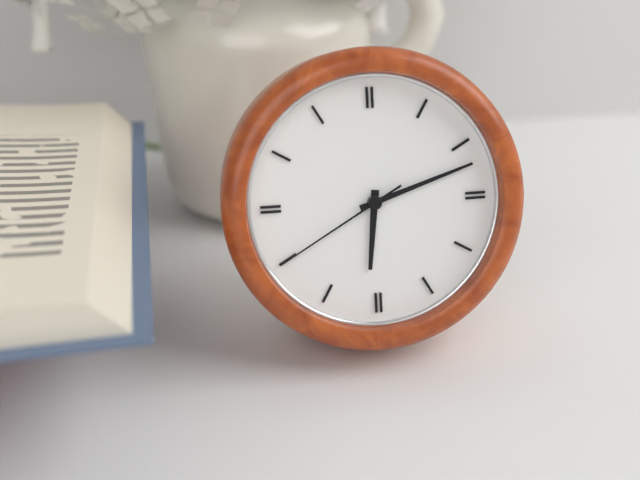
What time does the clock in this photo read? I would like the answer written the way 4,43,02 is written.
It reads 6,12,40
